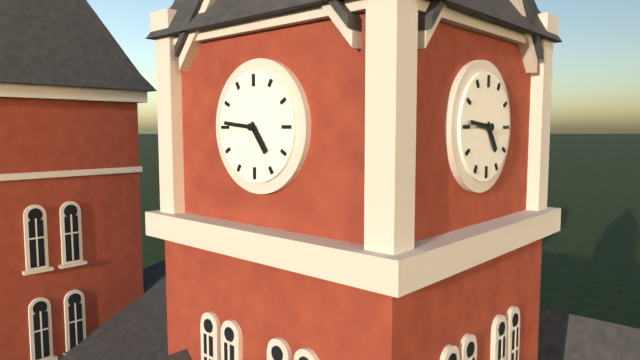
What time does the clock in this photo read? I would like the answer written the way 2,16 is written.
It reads 4,46
